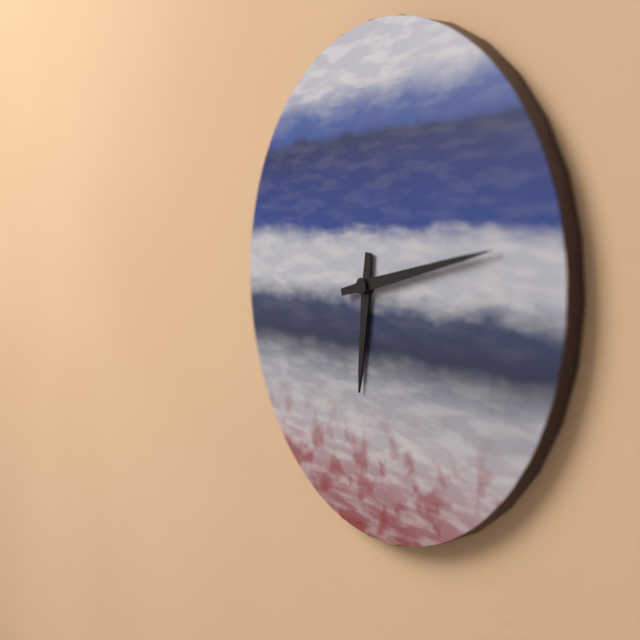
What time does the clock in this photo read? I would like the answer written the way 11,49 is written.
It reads 6,13
